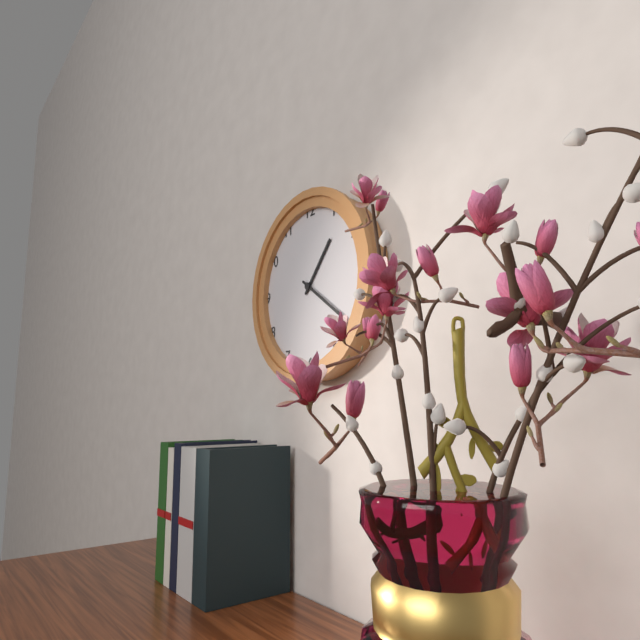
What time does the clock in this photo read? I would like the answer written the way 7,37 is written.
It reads 1,21
